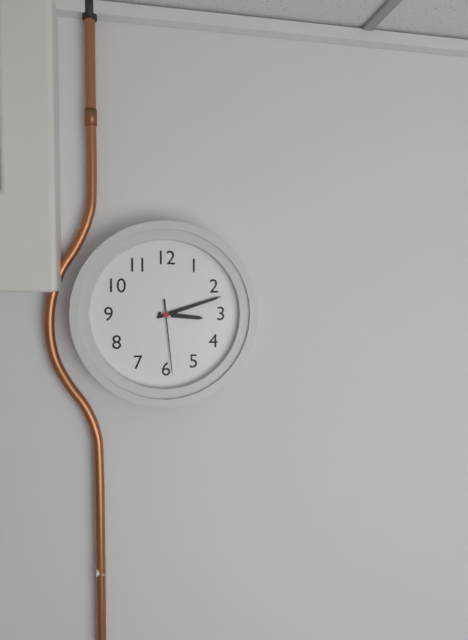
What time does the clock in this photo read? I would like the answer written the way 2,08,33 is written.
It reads 3,12,29
